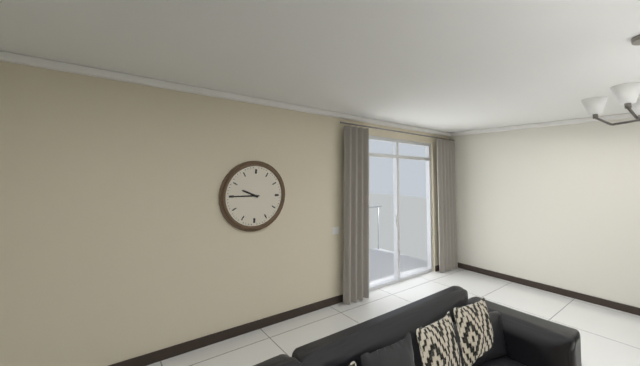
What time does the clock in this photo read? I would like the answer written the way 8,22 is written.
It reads 9,45
